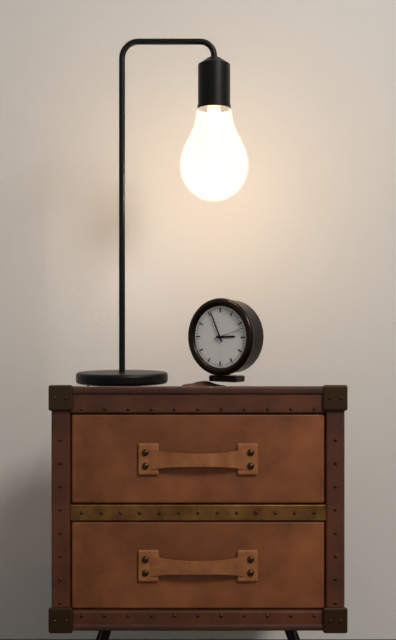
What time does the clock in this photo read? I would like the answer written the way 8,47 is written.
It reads 2,56
